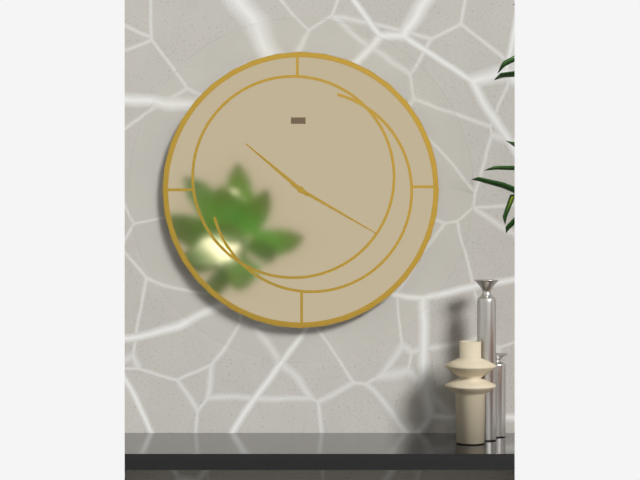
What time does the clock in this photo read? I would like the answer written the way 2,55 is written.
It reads 10,20
